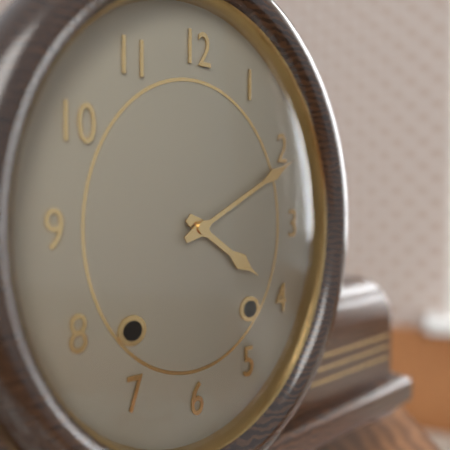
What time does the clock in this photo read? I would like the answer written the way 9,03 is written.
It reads 4,10
